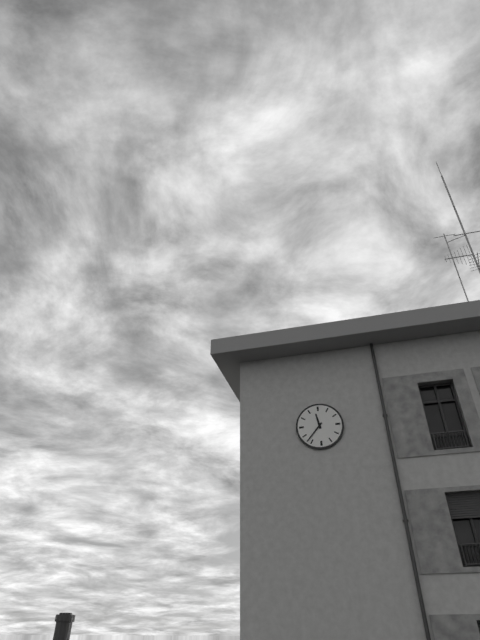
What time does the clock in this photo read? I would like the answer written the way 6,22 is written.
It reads 11,37
